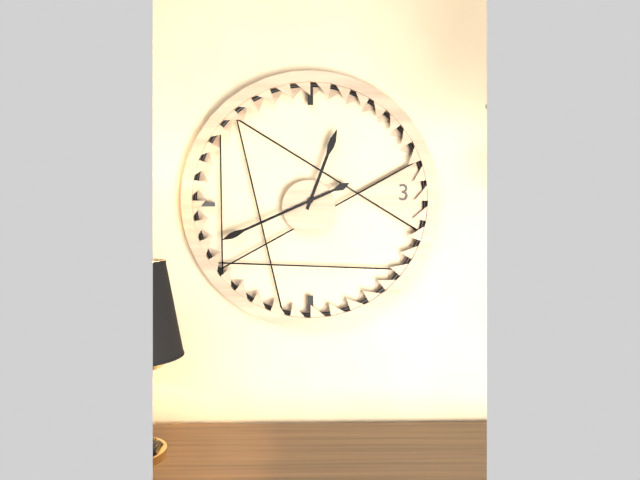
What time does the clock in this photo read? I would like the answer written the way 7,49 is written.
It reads 12,41
